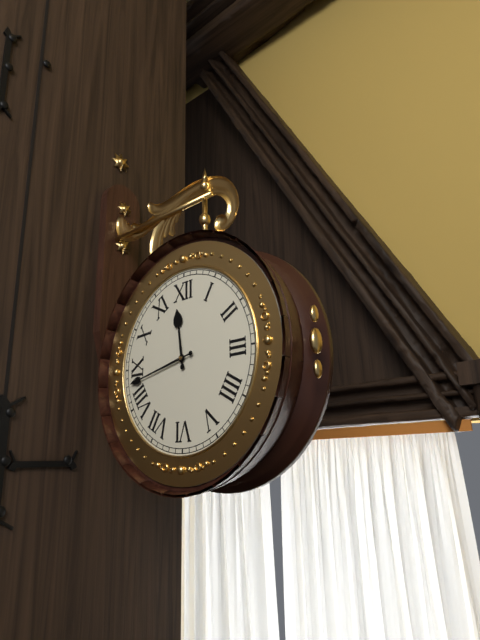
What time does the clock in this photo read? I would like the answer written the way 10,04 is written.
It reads 11,43
